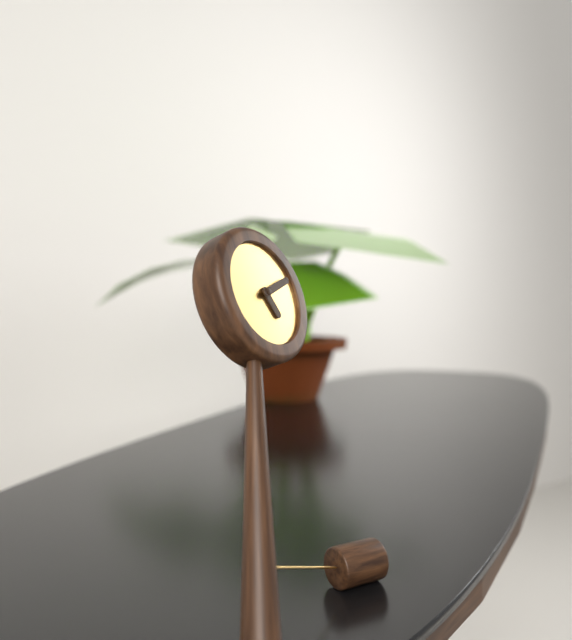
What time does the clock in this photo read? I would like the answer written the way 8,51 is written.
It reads 5,12
